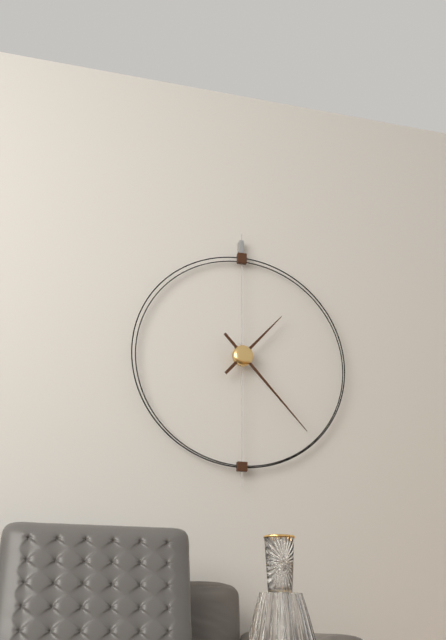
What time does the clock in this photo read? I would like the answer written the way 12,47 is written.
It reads 1,23
